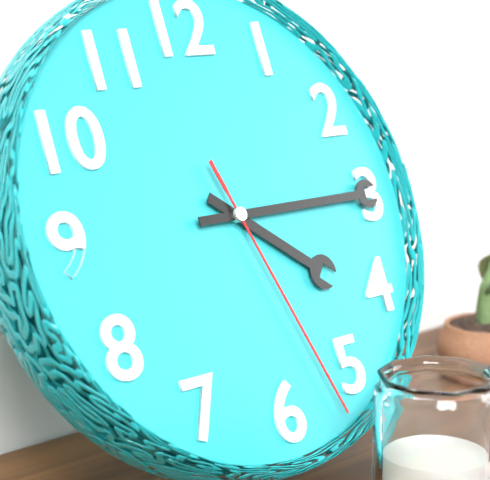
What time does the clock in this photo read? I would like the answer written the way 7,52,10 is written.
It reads 4,15,27
